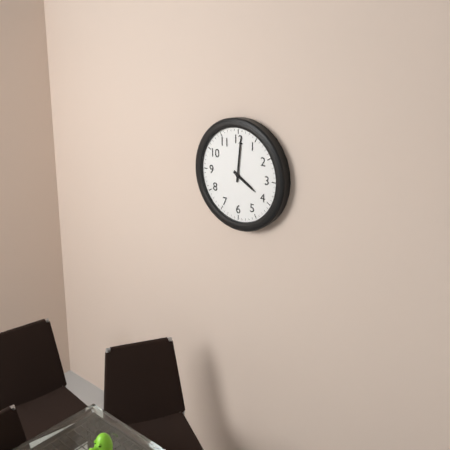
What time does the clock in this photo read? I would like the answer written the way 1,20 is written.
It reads 4,01
